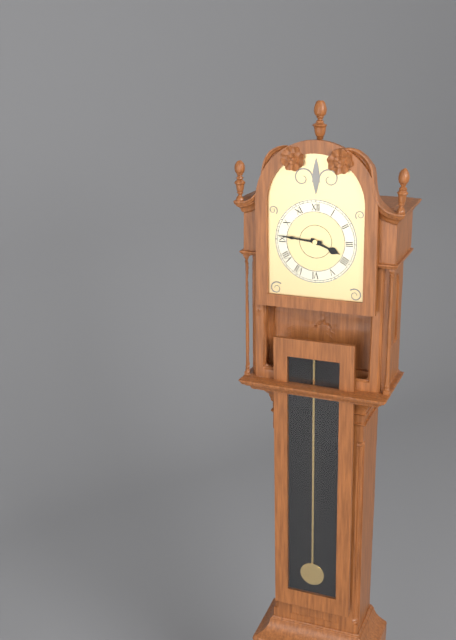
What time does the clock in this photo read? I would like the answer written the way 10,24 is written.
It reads 3,46
